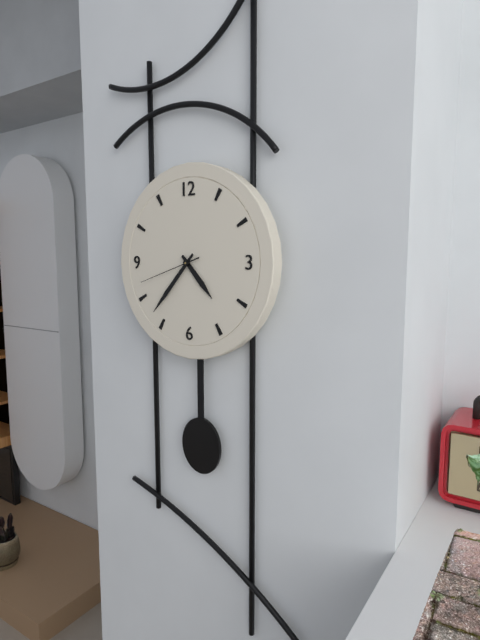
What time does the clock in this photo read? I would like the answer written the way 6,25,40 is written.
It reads 4,37,42
